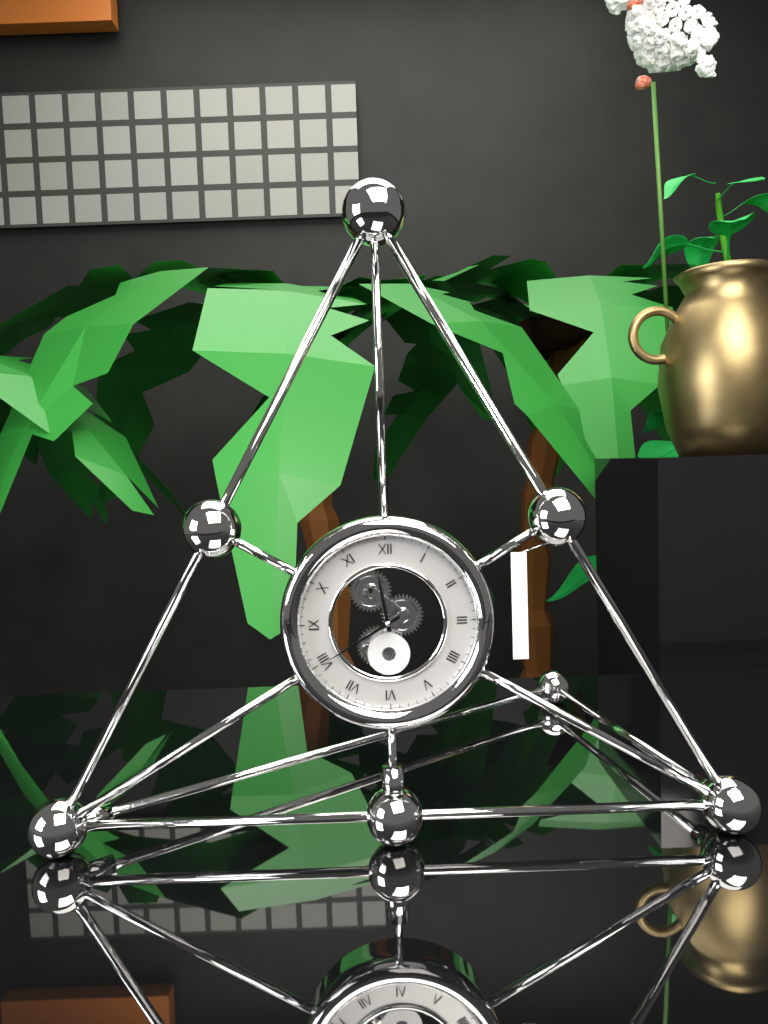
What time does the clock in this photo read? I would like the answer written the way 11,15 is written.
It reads 11,40
